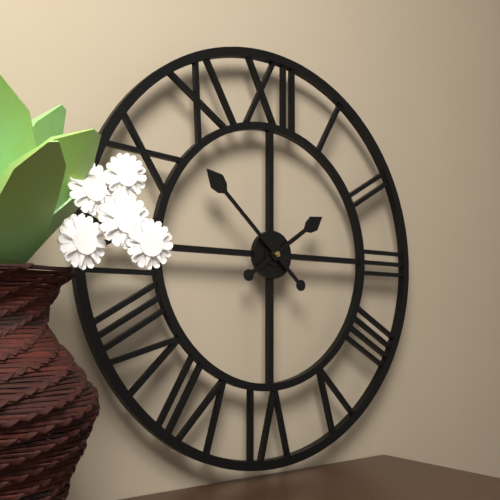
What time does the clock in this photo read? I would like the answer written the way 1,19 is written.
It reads 1,52
